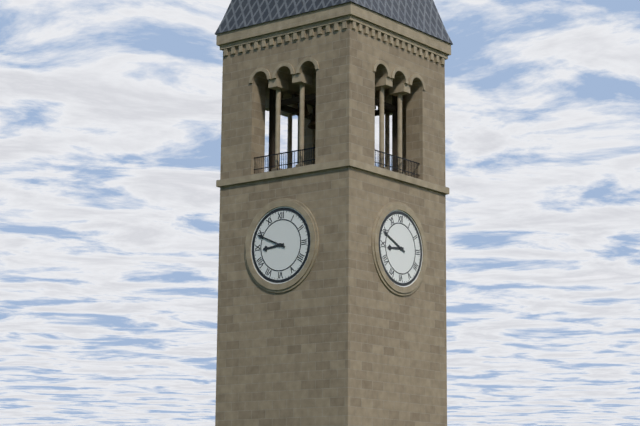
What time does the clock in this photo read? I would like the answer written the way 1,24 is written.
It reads 8,49
